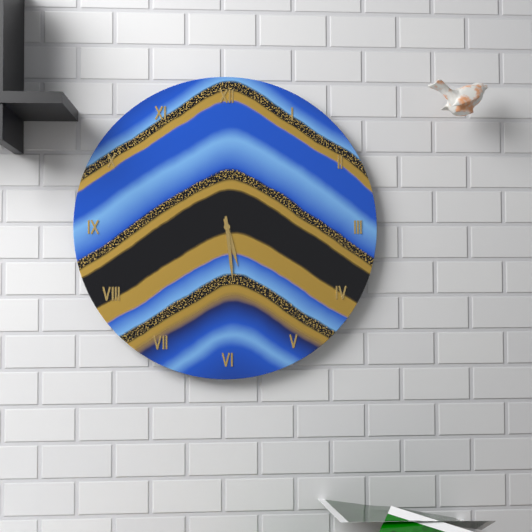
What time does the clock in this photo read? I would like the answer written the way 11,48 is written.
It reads 5,29
